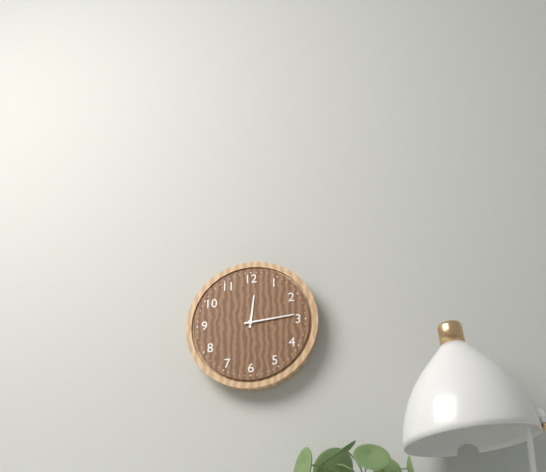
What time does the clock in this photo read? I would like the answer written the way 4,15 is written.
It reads 12,14
